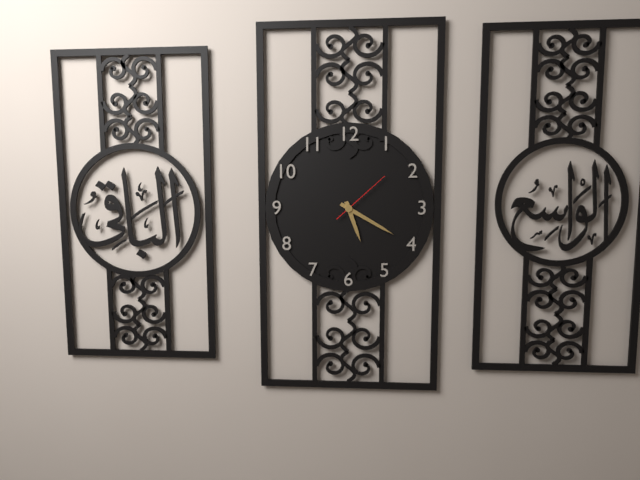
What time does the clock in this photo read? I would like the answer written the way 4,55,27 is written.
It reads 5,20,08
